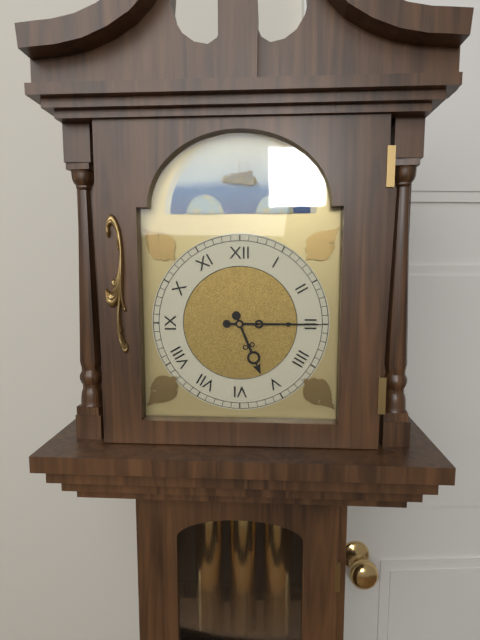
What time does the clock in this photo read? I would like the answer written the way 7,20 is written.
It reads 5,15
